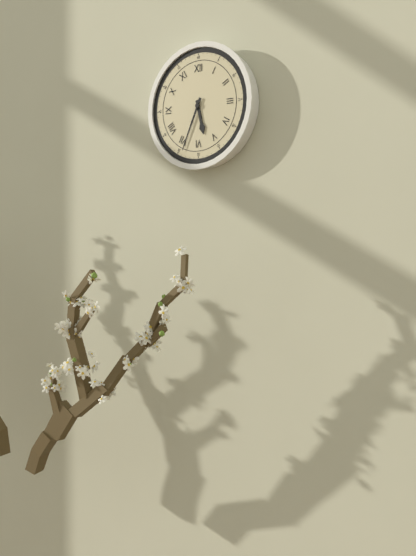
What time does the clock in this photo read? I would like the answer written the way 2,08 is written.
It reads 5,34
